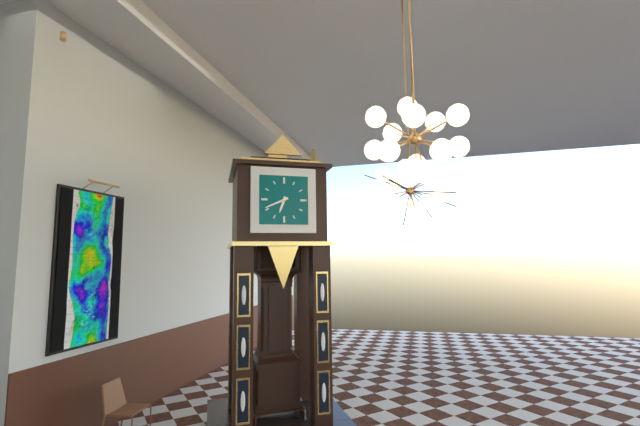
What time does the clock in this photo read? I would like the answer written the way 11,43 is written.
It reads 6,41
